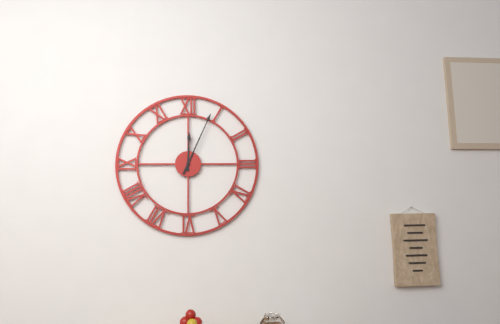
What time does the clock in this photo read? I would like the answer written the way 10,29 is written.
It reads 12,04
